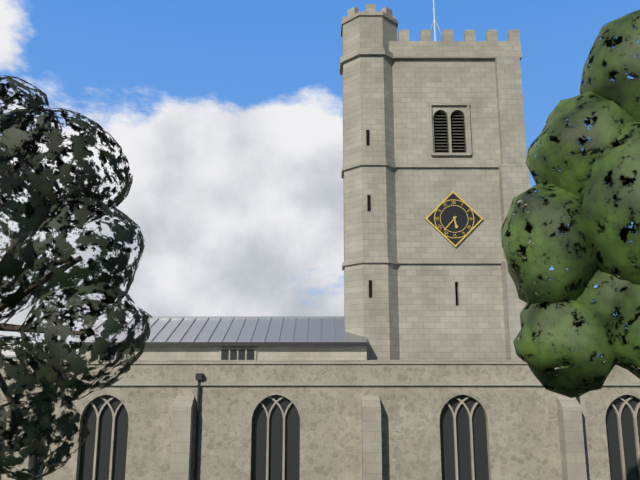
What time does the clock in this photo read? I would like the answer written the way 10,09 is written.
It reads 5,37
